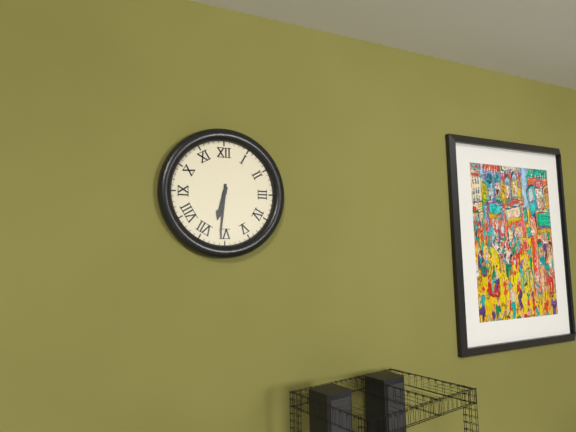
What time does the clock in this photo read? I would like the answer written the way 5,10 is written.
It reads 6,31
